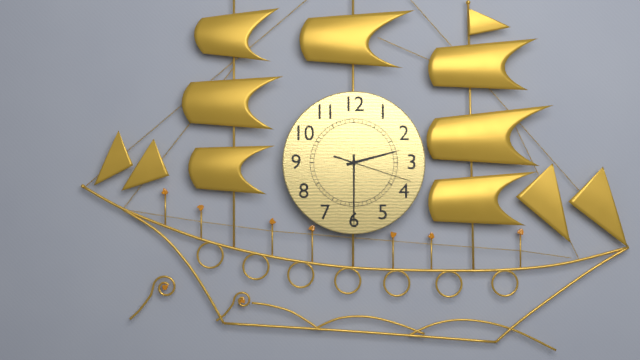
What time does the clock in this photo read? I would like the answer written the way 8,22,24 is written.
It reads 2,30,18
